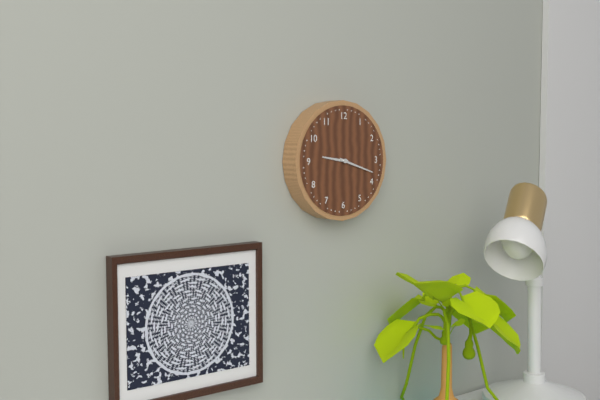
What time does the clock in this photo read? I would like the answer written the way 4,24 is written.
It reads 9,18
